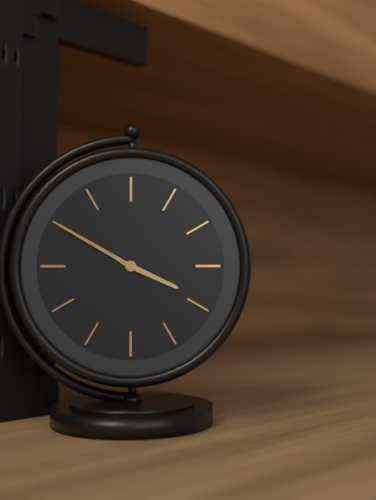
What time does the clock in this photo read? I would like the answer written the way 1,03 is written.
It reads 3,50
